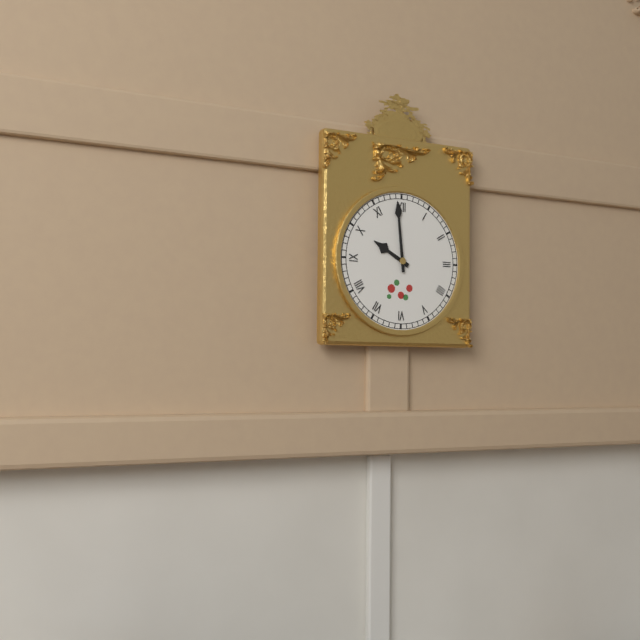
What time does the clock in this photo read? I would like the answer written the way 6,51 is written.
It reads 9,59
